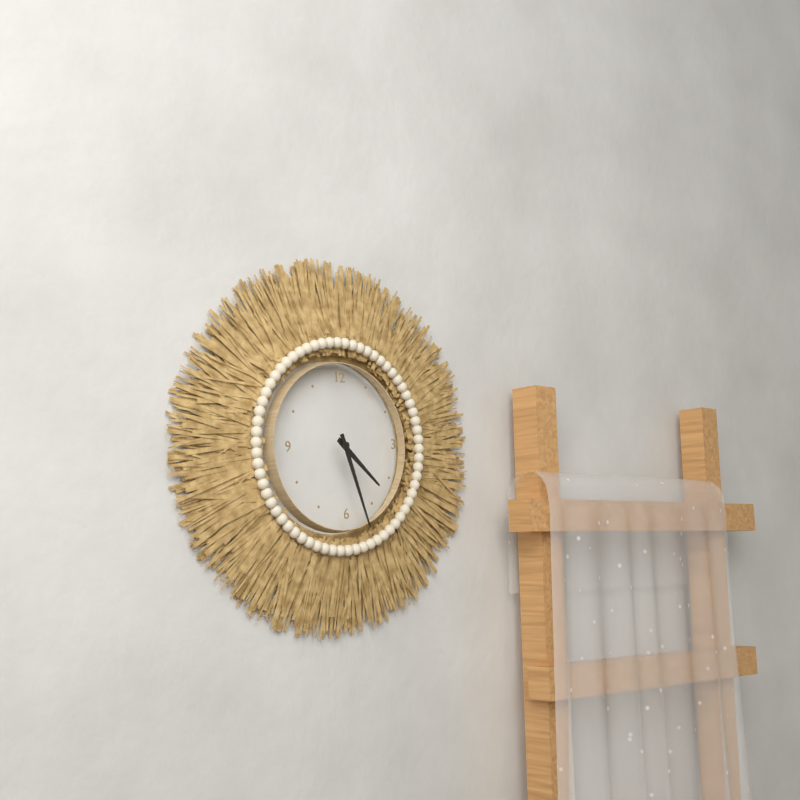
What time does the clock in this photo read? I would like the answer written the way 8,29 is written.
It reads 4,27
